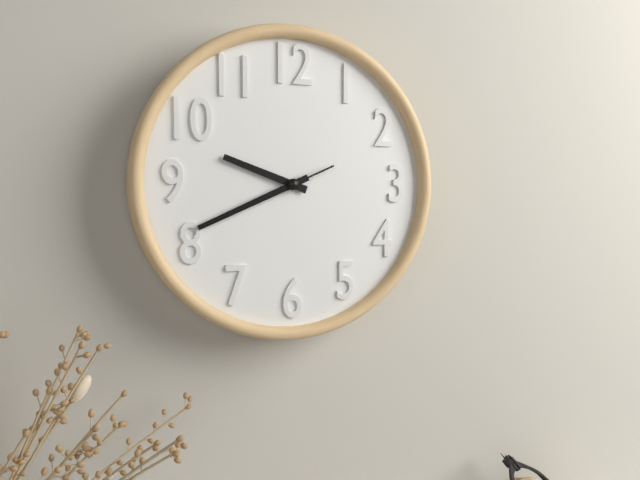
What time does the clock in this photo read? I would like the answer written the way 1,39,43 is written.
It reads 9,41,41
